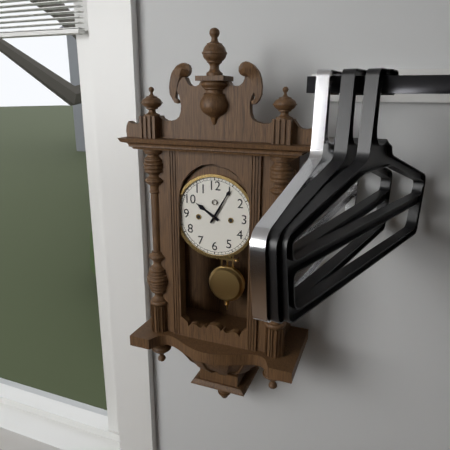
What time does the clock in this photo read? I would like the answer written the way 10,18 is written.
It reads 10,05
